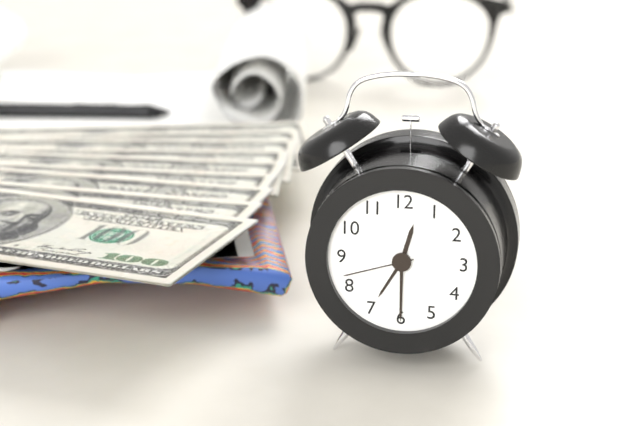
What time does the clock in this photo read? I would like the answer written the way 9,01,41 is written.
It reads 12,30,42
